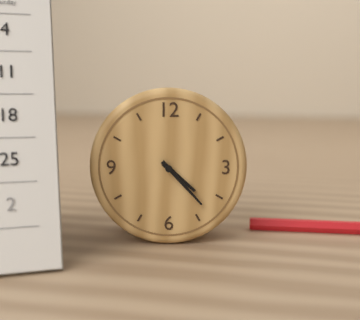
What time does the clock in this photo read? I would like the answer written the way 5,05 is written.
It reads 4,23
